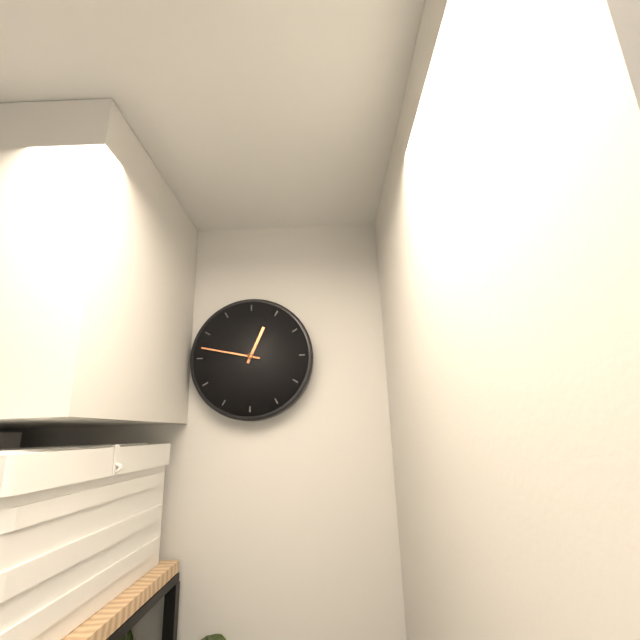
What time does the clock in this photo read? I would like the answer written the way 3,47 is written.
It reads 12,47
